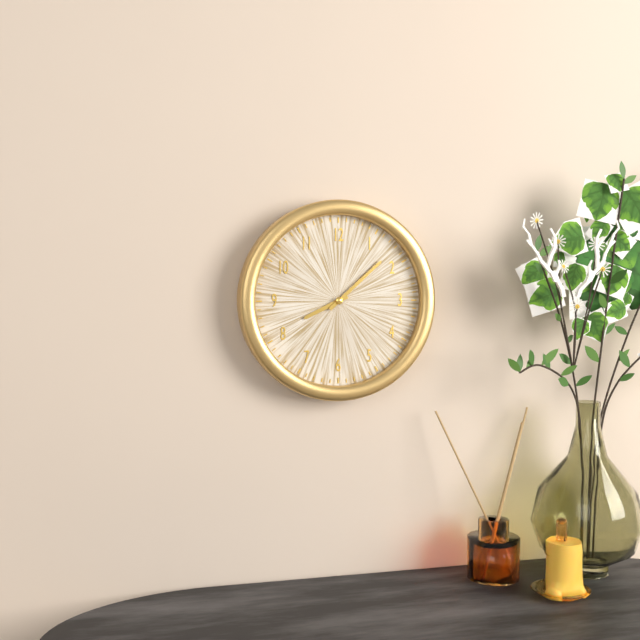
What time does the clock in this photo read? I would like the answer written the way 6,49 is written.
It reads 8,08
